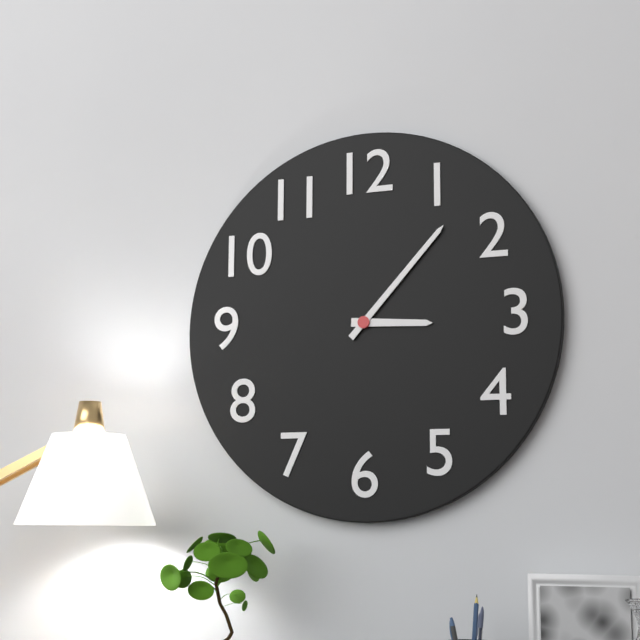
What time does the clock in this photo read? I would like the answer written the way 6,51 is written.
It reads 3,07
